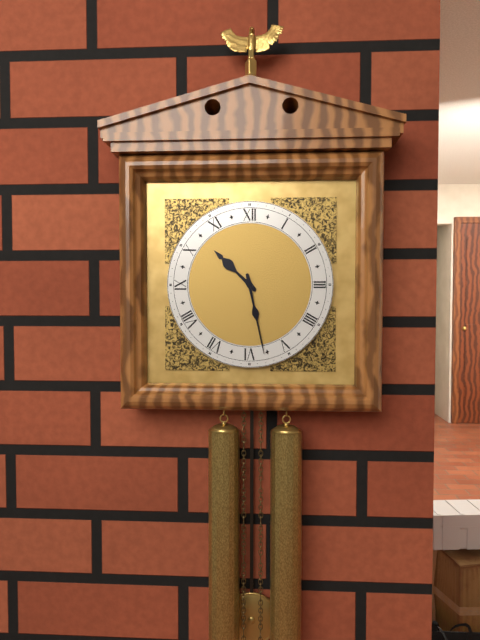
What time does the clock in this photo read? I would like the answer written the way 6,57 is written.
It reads 10,28
